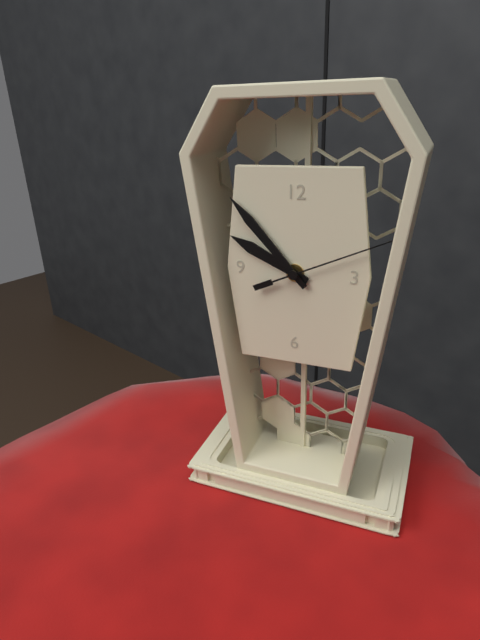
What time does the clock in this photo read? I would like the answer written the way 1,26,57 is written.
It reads 9,53,11
